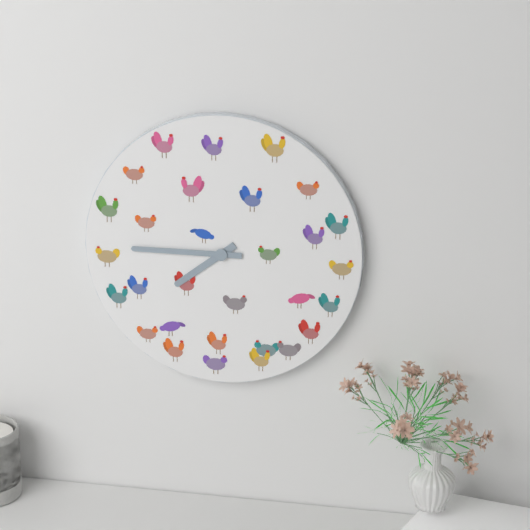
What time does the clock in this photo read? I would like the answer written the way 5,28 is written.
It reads 7,45
